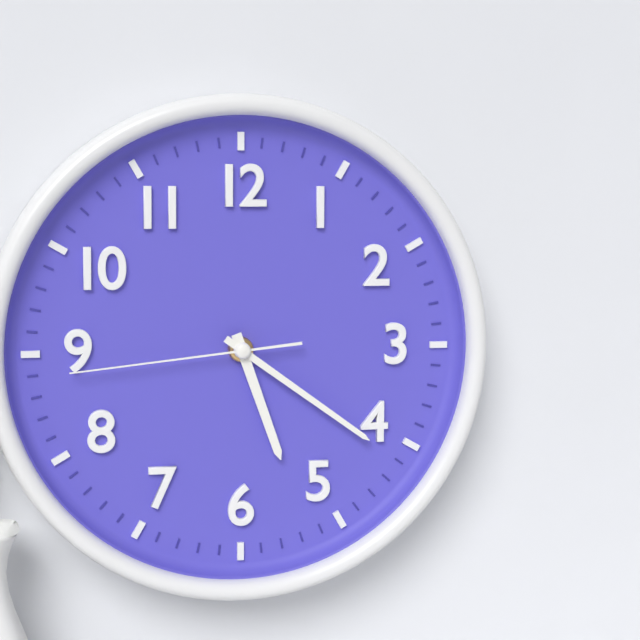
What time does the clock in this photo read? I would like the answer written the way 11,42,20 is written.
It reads 5,21,44
